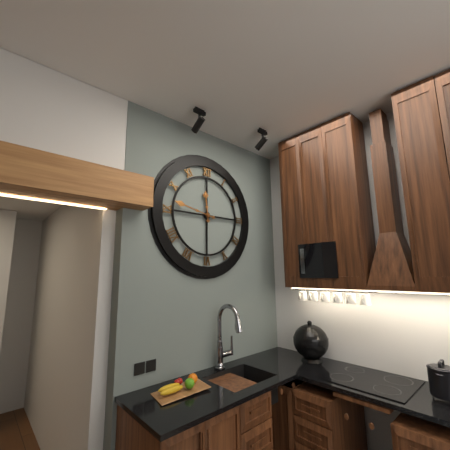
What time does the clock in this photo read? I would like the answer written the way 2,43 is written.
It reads 11,47
